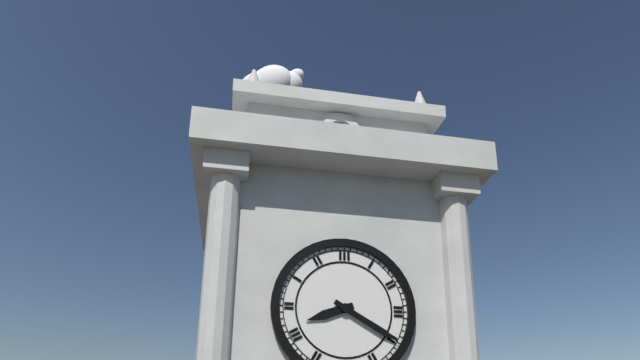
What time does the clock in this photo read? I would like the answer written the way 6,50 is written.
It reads 8,20
